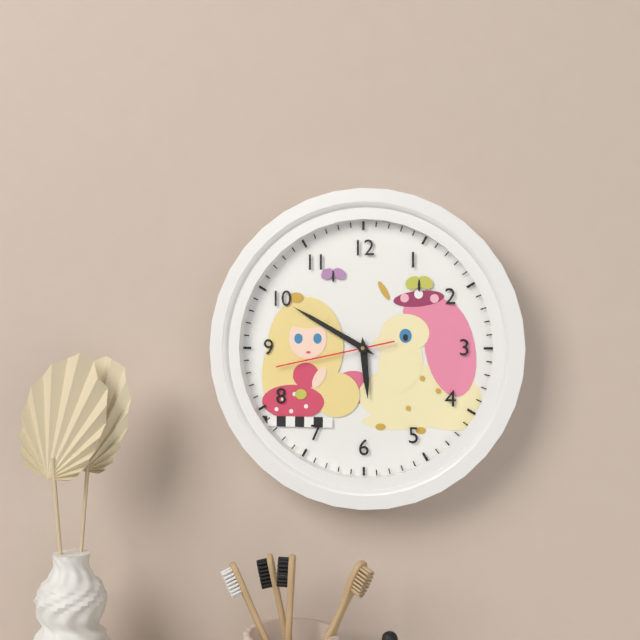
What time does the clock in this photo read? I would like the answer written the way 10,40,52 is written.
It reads 5,50,43
